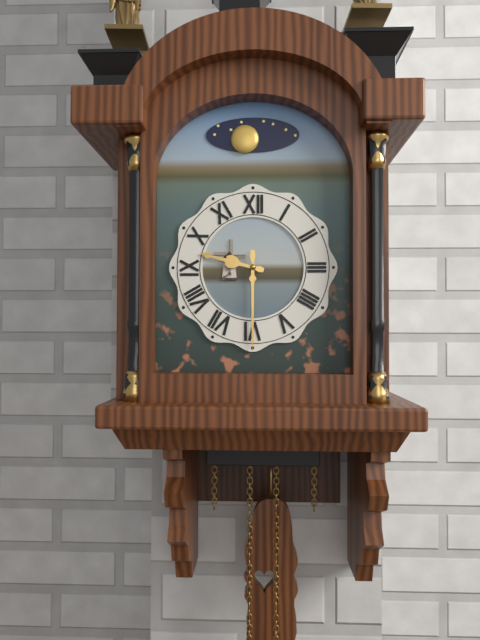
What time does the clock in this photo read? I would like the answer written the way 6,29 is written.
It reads 9,30
